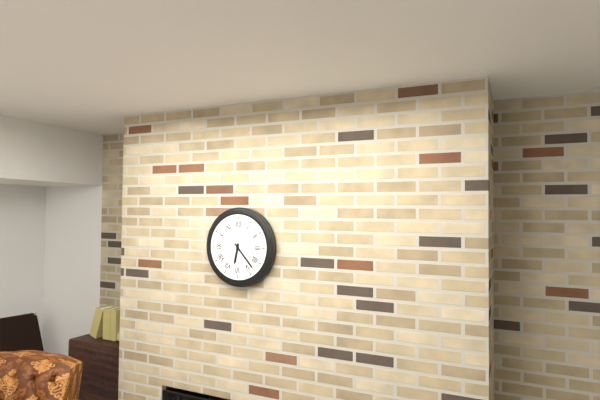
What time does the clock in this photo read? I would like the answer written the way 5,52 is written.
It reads 6,23
